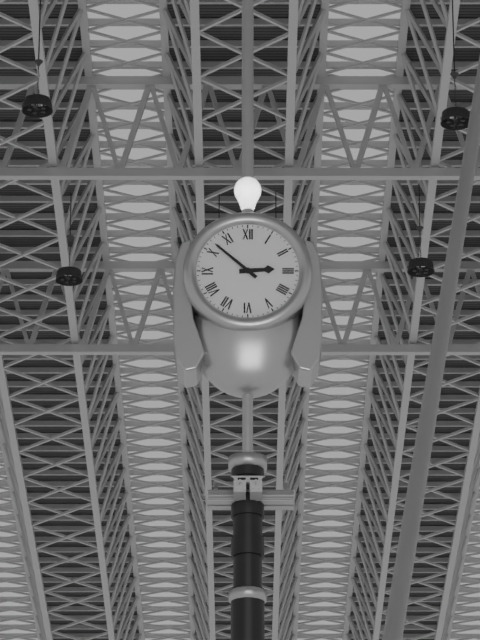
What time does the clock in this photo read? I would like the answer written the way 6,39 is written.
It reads 2,52
